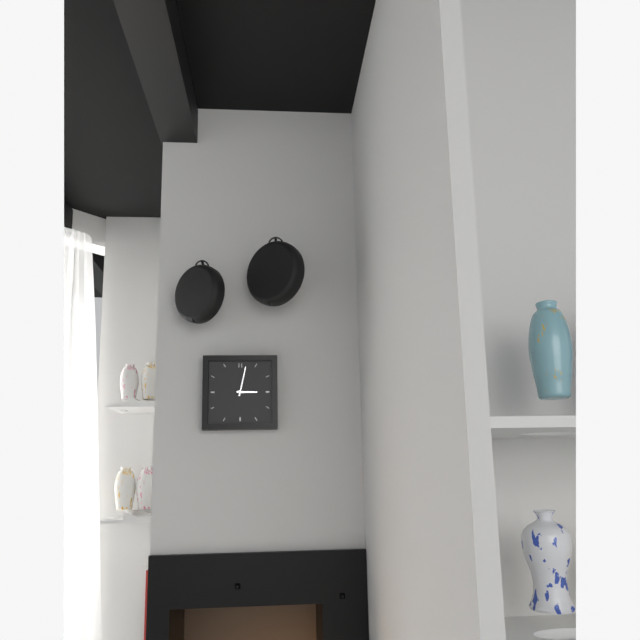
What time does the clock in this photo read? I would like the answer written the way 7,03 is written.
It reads 3,02
